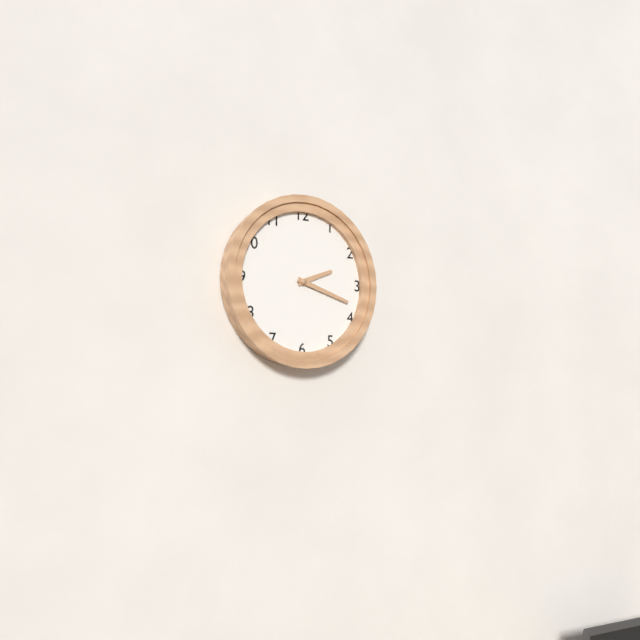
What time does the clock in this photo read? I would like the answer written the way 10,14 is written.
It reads 2,18
